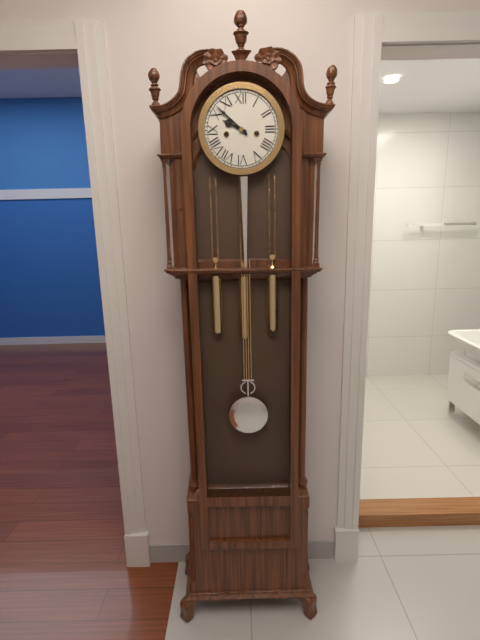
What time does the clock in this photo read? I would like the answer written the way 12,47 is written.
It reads 9,52
